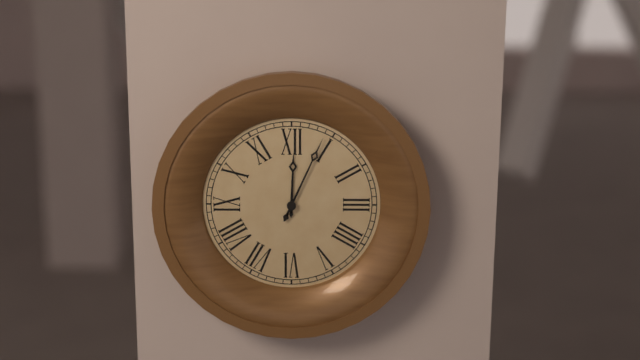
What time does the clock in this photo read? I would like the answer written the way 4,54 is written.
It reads 12,04
